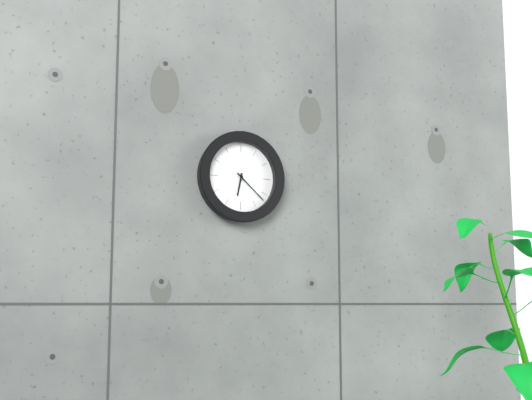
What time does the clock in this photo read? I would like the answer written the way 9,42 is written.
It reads 6,22
